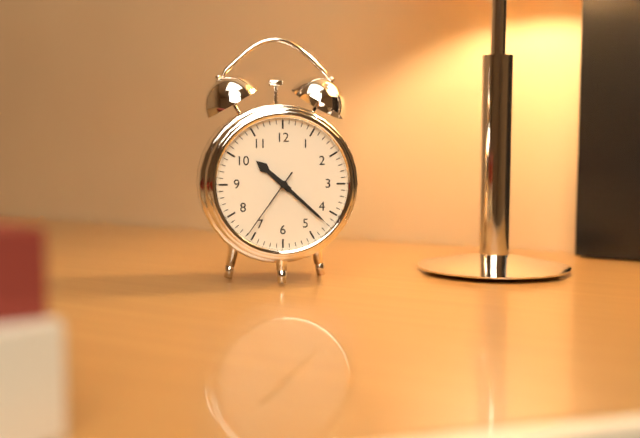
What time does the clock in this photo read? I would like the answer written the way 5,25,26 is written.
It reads 10,22,36
